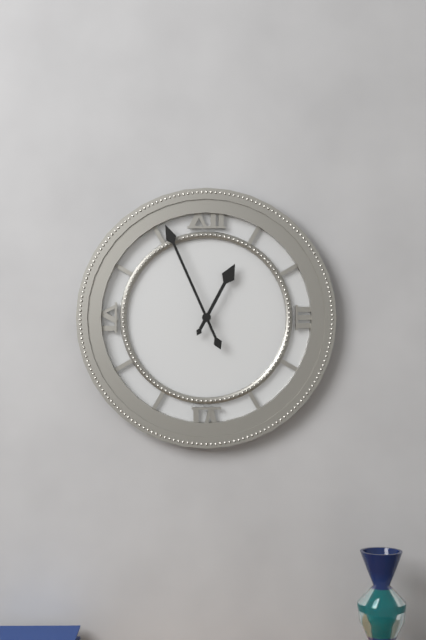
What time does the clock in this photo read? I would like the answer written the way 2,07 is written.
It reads 12,56
